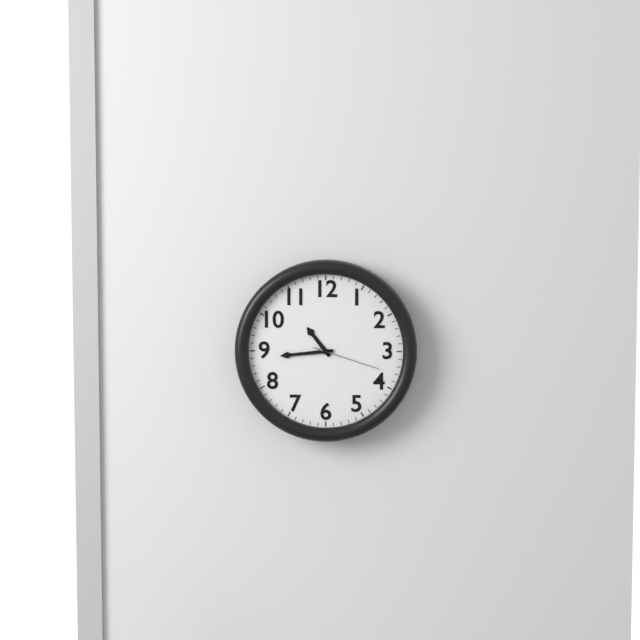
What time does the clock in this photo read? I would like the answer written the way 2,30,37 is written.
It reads 10,44,18
